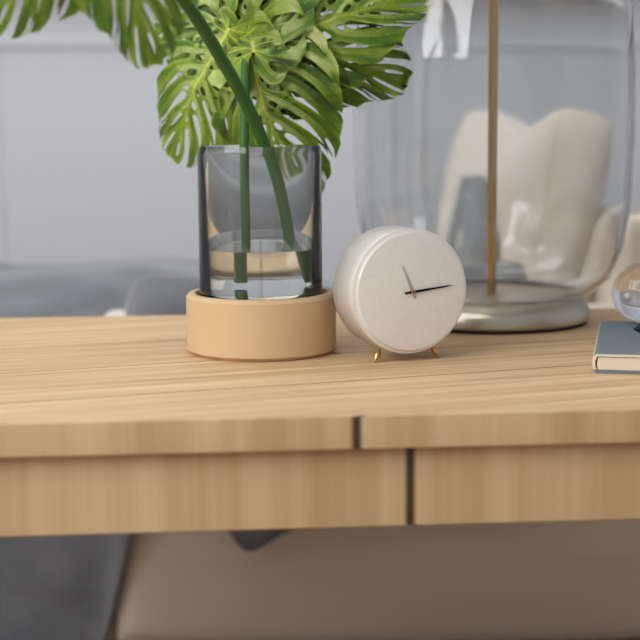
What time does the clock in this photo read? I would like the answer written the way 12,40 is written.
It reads 11,14
